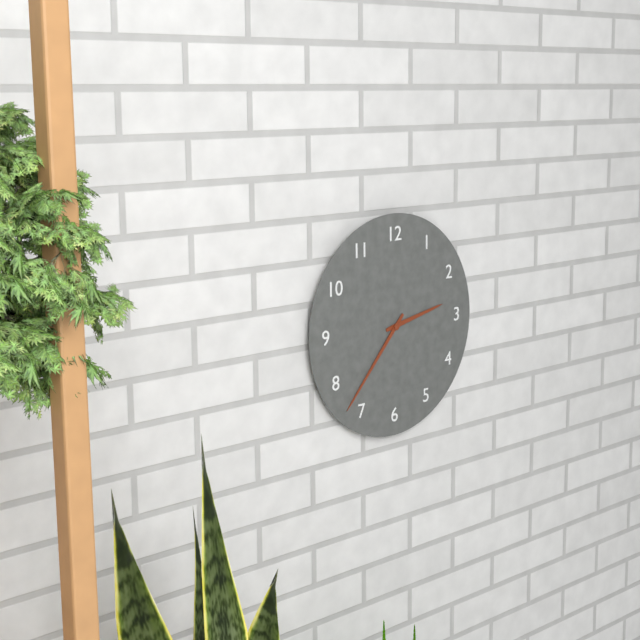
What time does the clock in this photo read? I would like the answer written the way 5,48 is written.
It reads 2,37
